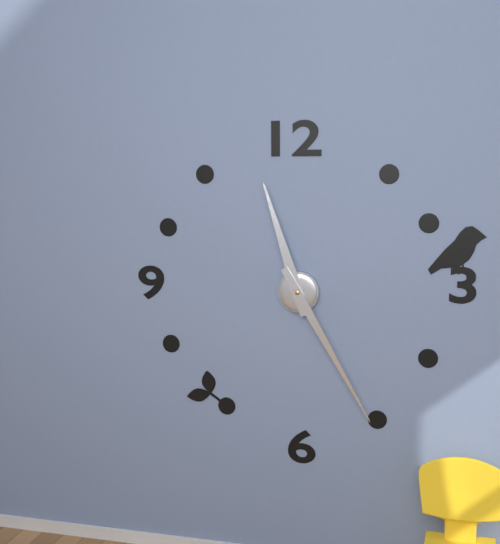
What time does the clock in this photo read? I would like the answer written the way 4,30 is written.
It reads 11,25
